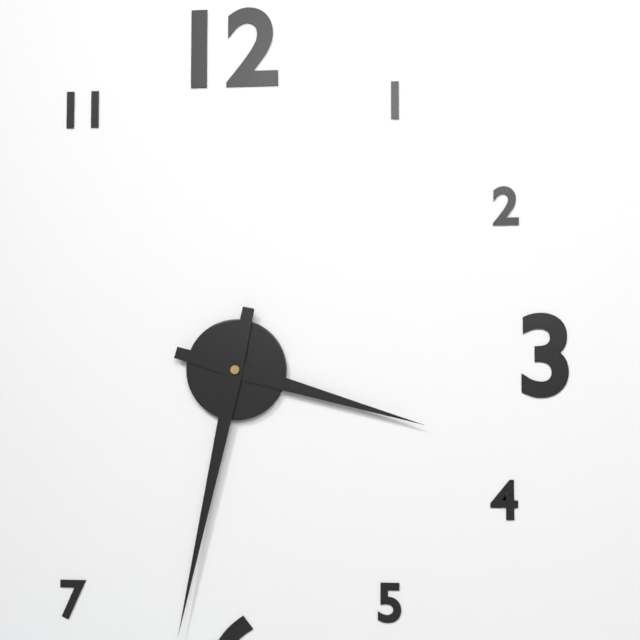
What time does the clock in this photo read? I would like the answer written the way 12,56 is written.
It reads 3,32
